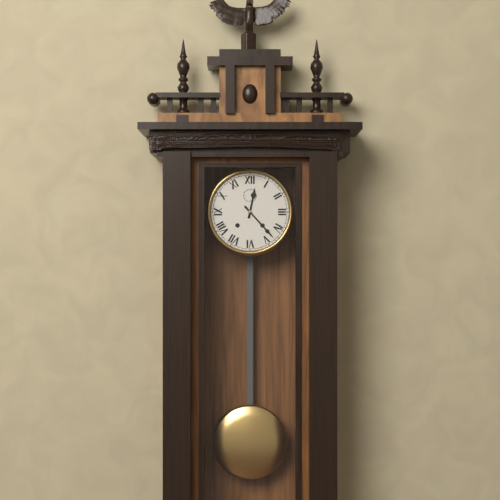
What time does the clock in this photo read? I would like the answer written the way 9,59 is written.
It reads 12,23
